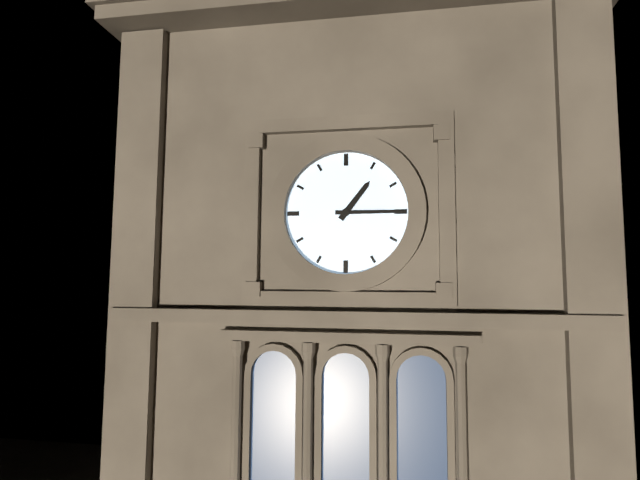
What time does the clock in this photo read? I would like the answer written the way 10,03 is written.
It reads 1,15
